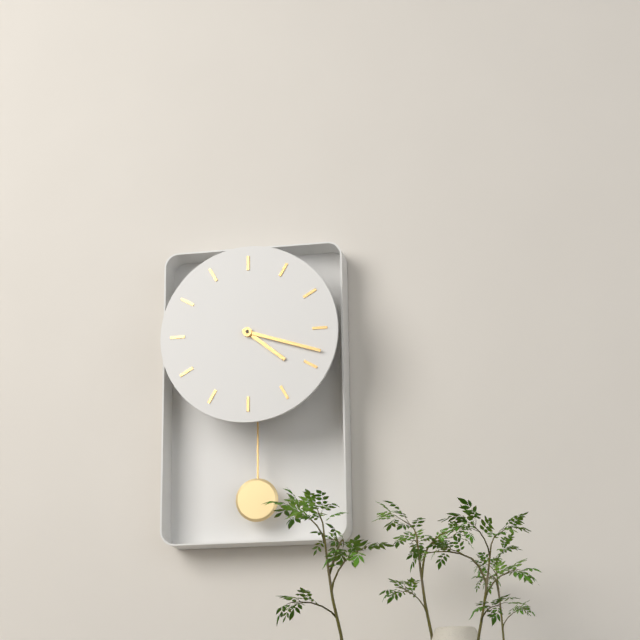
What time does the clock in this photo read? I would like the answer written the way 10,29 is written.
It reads 4,18
